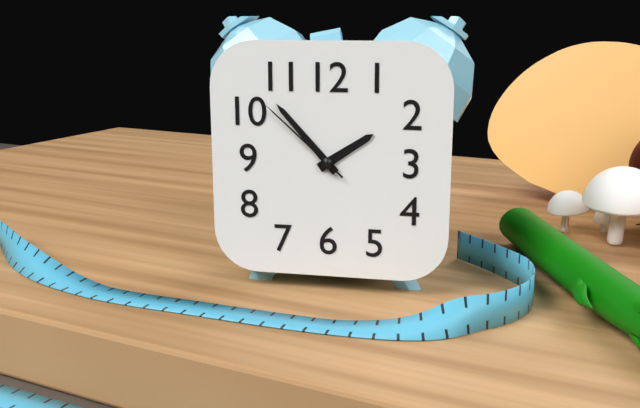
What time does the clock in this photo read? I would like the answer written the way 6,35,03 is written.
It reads 1,53,52
